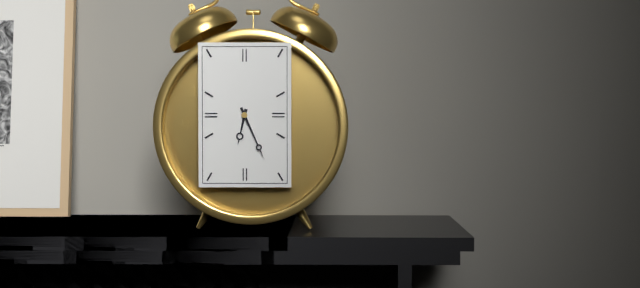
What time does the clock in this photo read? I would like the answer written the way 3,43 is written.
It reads 6,26
